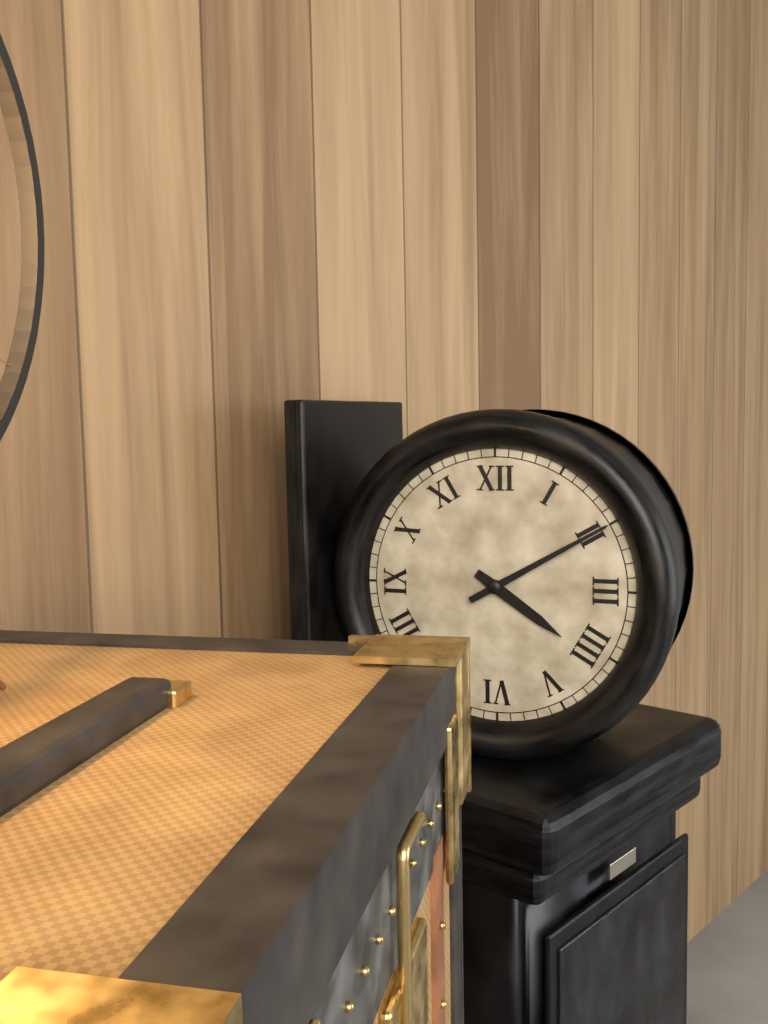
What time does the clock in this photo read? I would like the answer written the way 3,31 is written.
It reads 4,10
